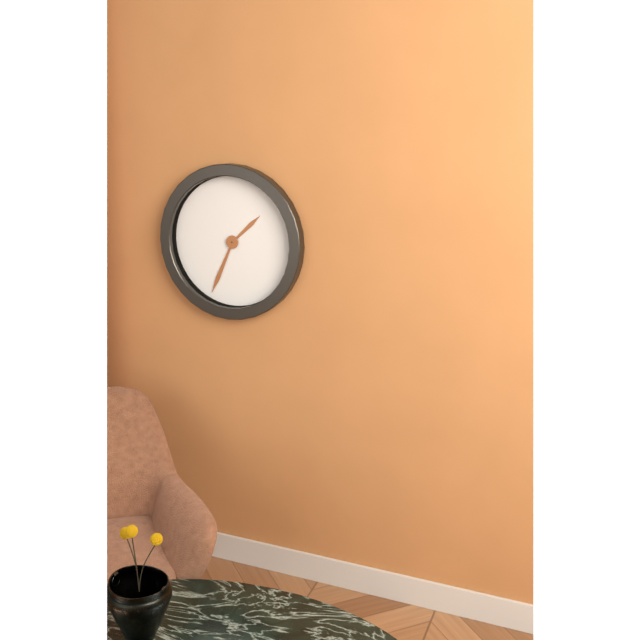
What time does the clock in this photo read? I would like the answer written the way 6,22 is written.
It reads 1,34
